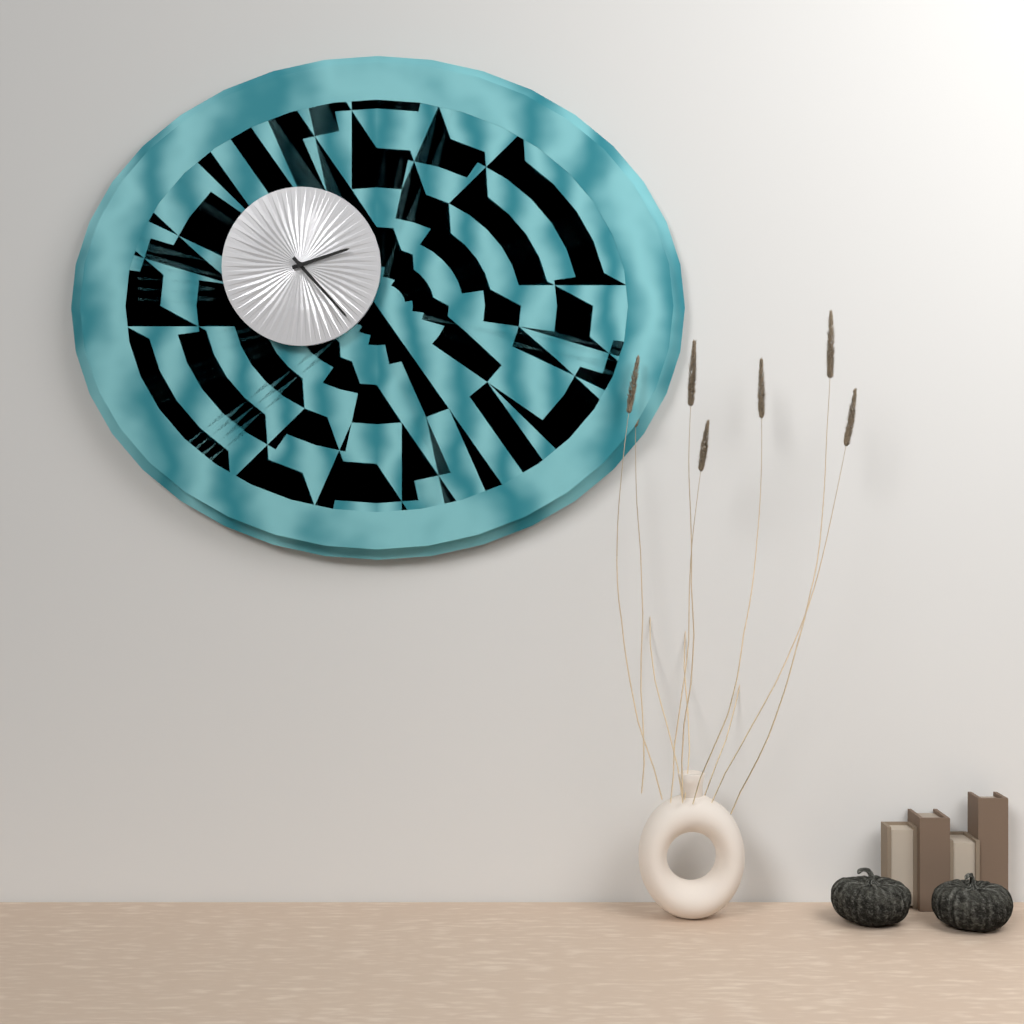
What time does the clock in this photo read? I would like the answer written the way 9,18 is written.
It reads 2,23
